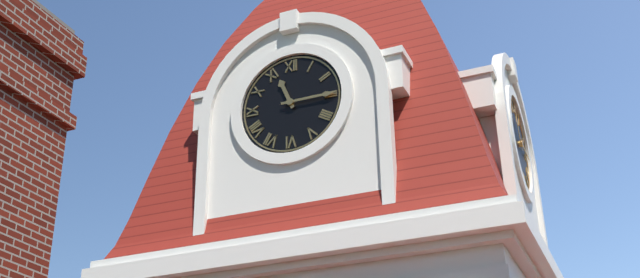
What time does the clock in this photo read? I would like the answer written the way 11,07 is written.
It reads 11,15
